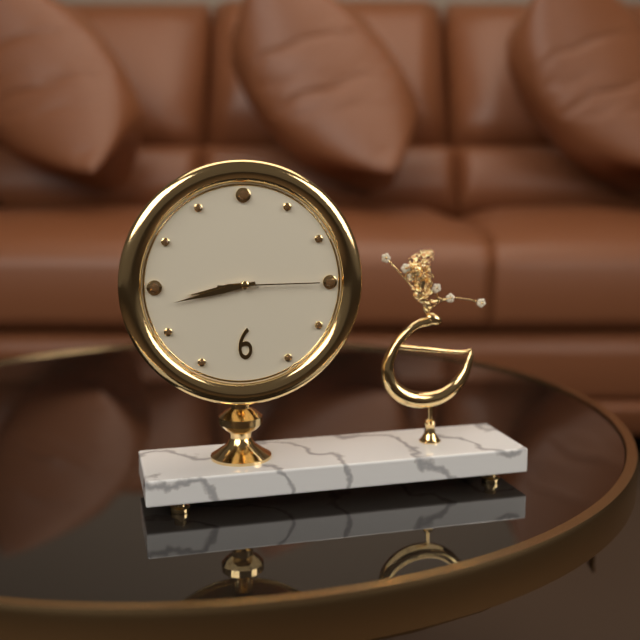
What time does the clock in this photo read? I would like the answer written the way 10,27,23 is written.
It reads 8,43,15
